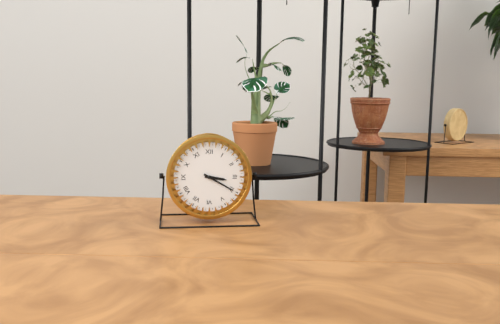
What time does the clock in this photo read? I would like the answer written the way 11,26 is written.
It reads 3,20
